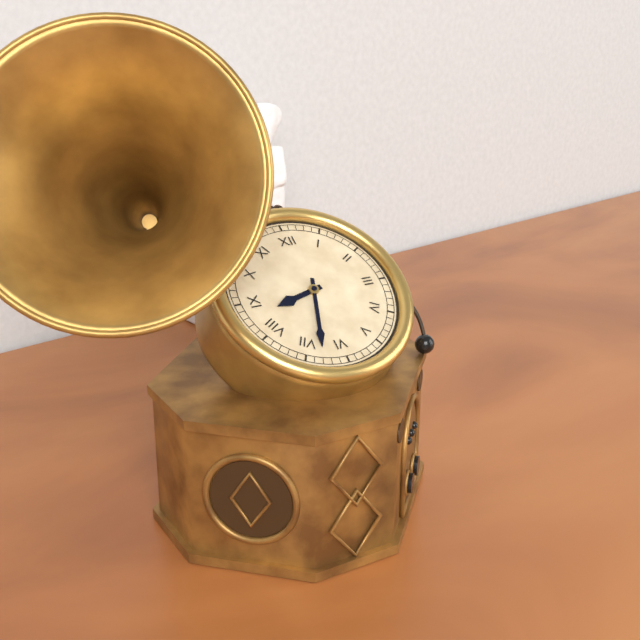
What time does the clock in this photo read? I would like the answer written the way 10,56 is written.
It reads 8,33
